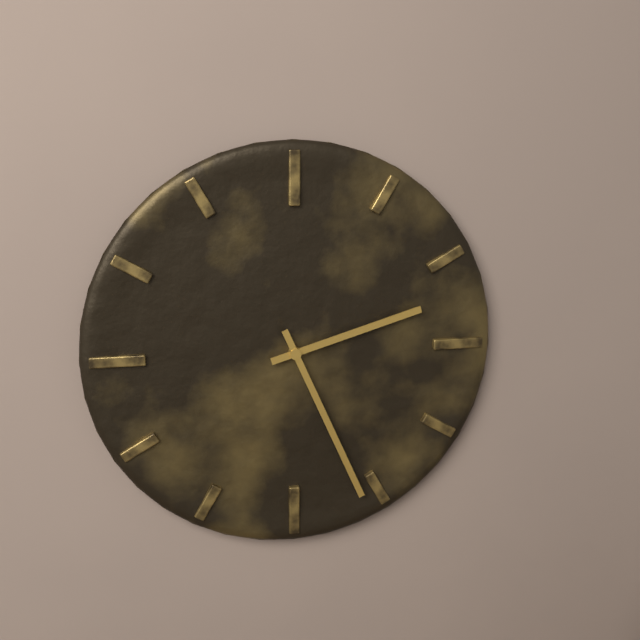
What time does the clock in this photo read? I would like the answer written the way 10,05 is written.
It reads 2,26
